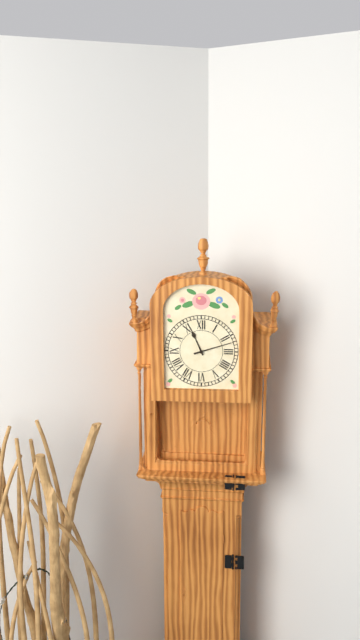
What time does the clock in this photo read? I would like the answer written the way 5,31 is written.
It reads 11,12
